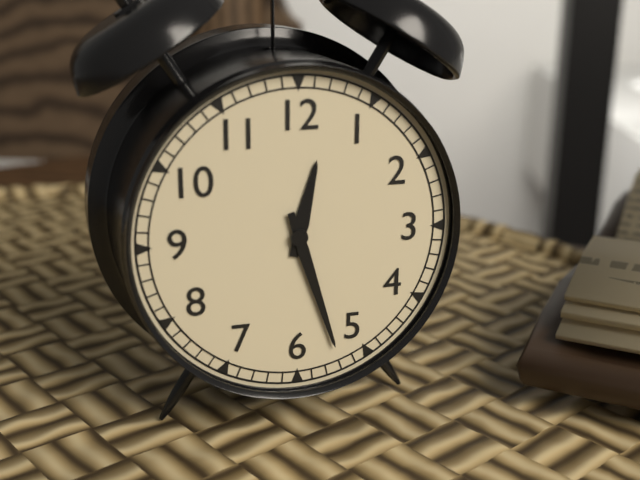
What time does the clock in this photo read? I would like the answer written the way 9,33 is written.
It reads 12,27
